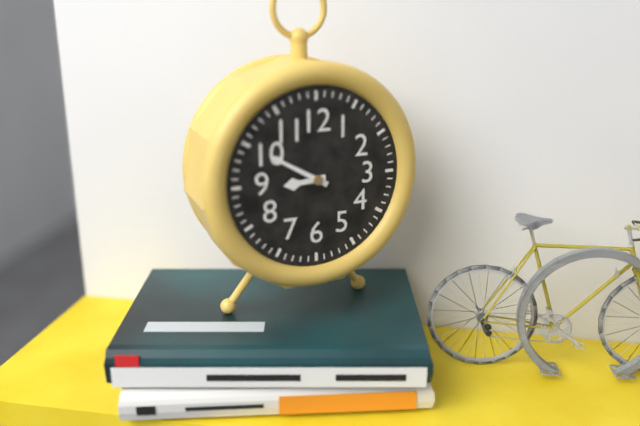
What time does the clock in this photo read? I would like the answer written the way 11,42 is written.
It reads 8,50
